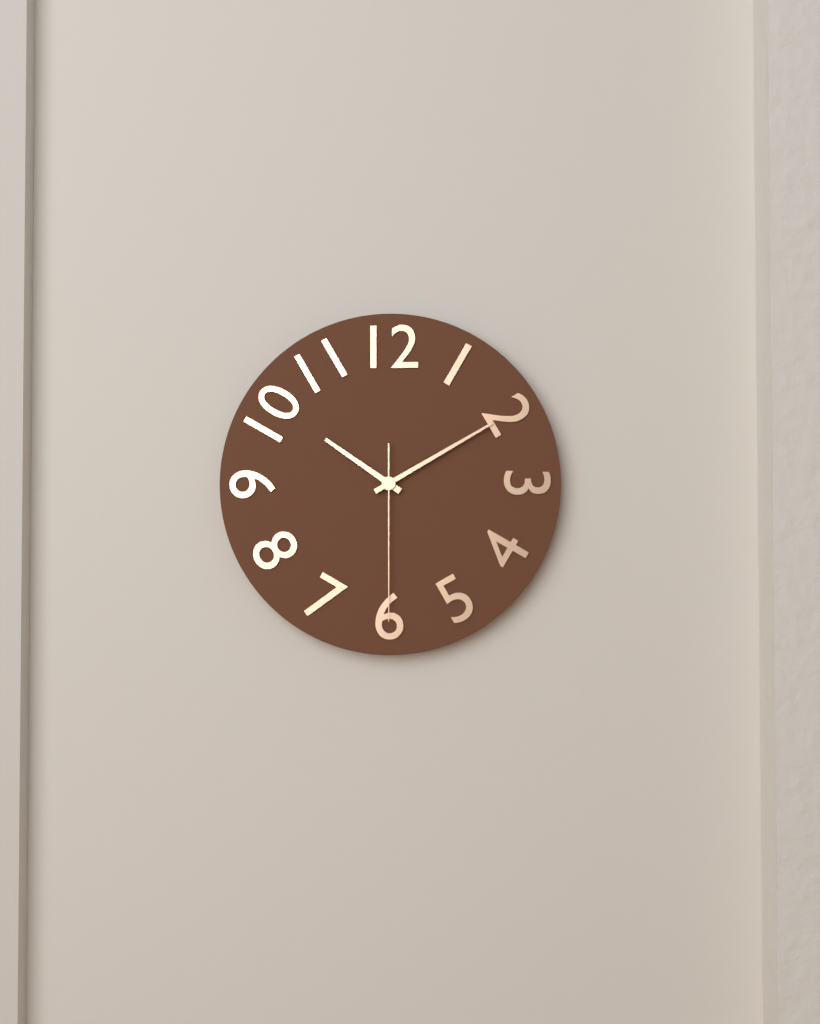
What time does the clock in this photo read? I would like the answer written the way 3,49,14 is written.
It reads 10,10,30
